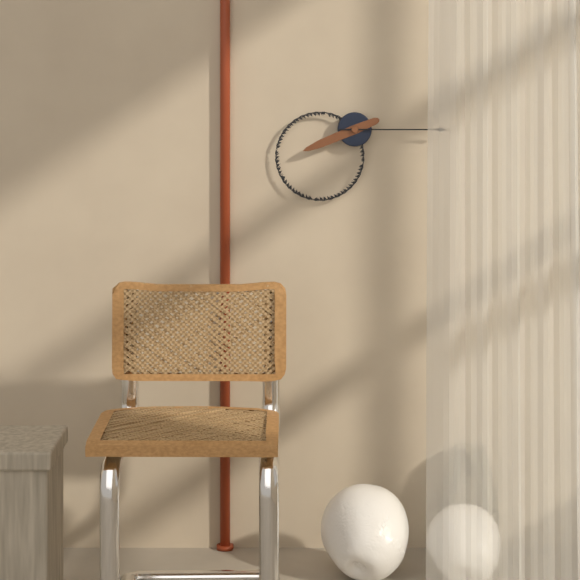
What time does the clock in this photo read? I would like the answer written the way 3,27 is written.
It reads 8,15
